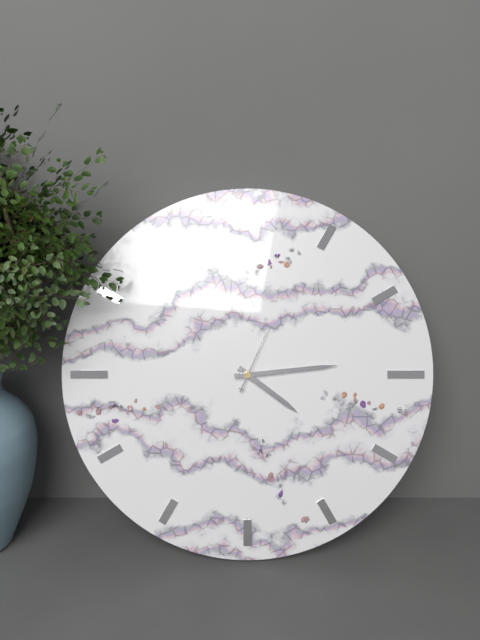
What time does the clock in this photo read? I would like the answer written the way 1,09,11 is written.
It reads 4,14,04
